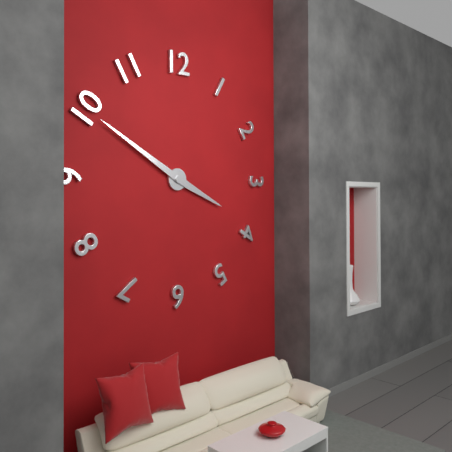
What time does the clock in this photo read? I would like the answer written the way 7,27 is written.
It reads 3,50
